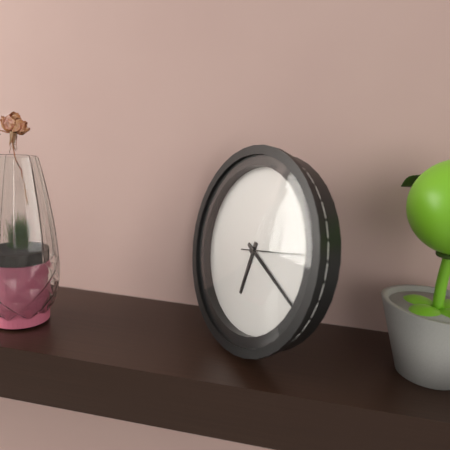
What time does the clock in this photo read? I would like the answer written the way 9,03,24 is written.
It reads 6,19,13
